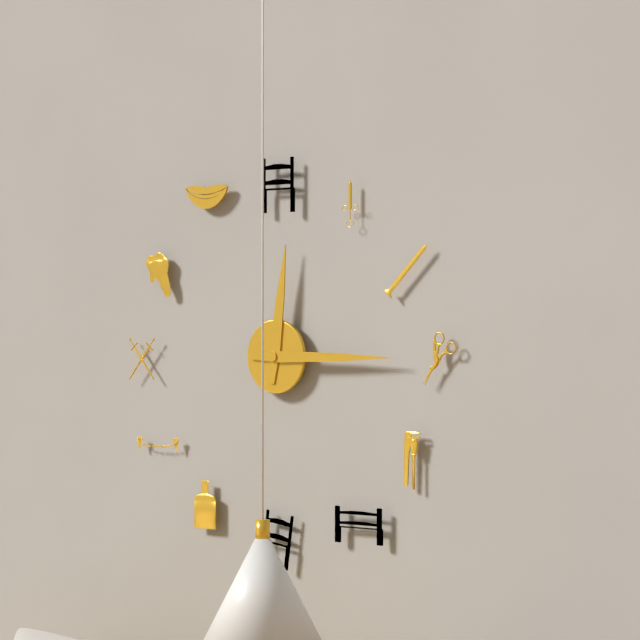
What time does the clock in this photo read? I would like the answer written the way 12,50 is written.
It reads 12,15
